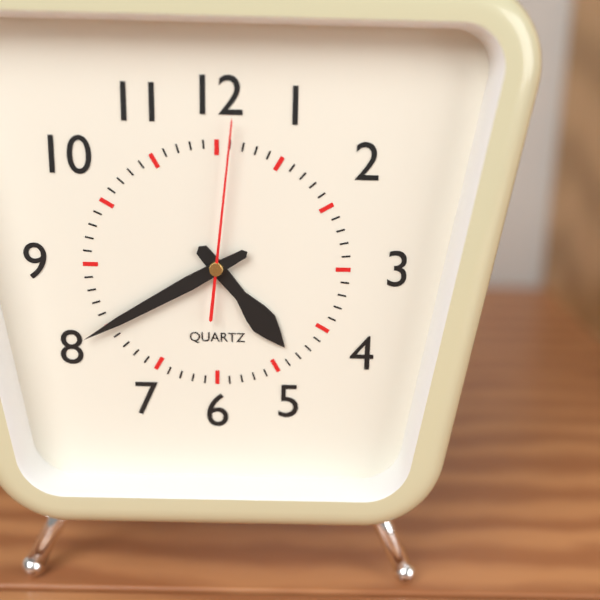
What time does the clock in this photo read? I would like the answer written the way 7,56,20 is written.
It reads 4,40,01
